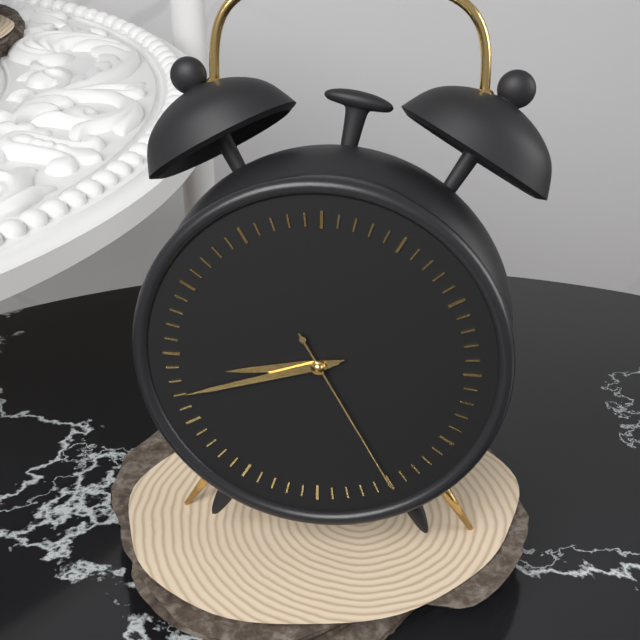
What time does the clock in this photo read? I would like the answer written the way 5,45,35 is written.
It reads 8,42,25
